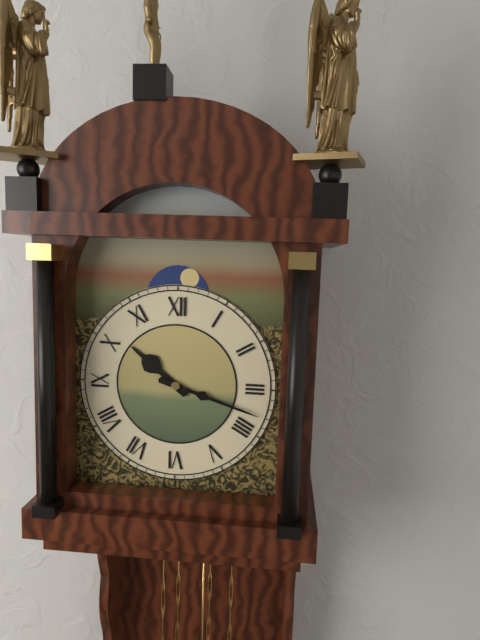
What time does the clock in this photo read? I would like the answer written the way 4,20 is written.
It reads 10,18
